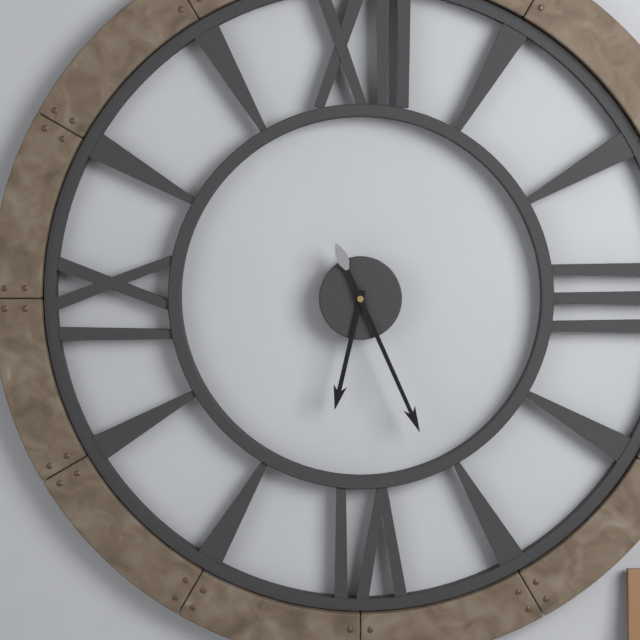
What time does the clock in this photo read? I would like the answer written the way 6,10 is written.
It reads 6,26
